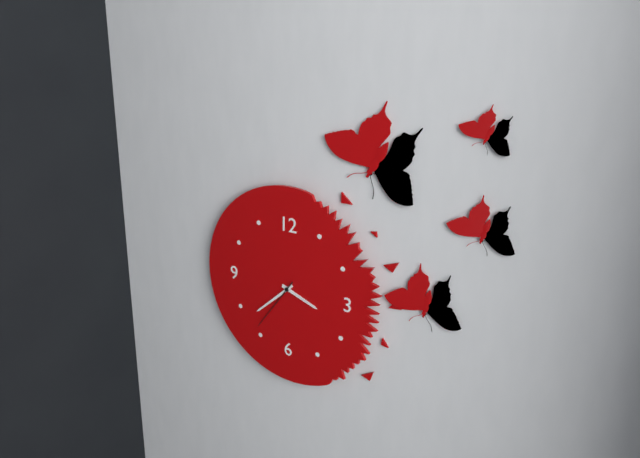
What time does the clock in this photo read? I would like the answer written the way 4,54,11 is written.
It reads 3,38,36
